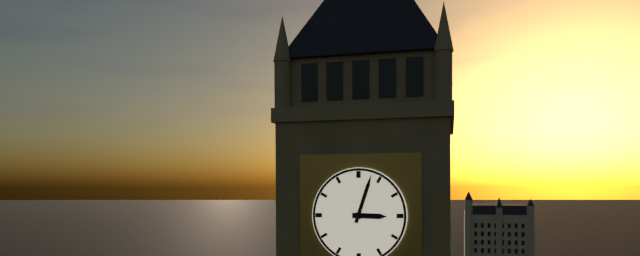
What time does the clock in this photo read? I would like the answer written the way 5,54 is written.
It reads 3,03
